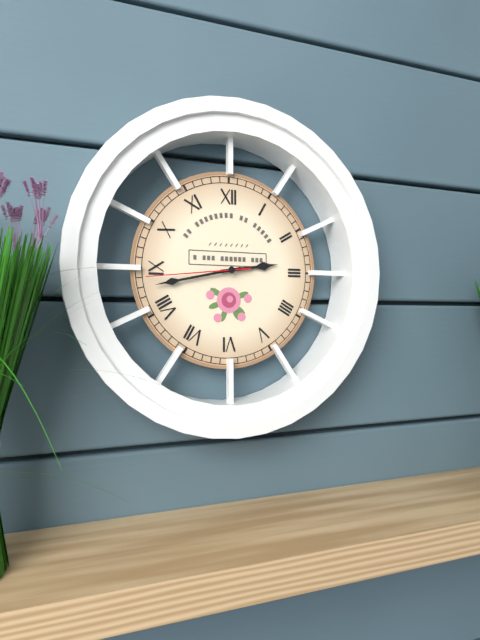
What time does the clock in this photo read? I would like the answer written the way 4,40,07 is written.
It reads 2,43,44
